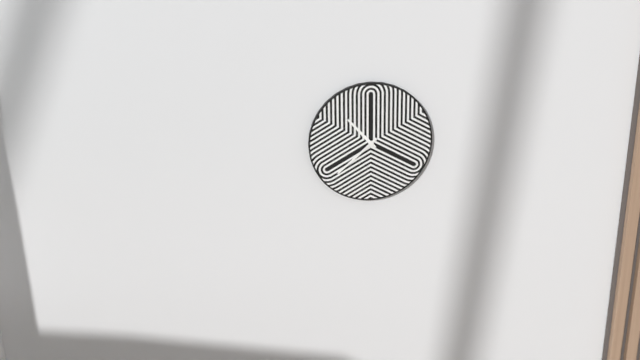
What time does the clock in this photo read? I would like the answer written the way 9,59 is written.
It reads 10,38
